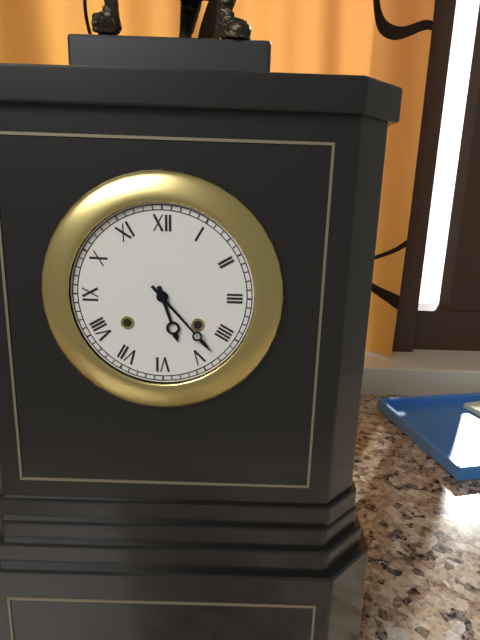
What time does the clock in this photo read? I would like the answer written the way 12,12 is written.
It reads 5,23
